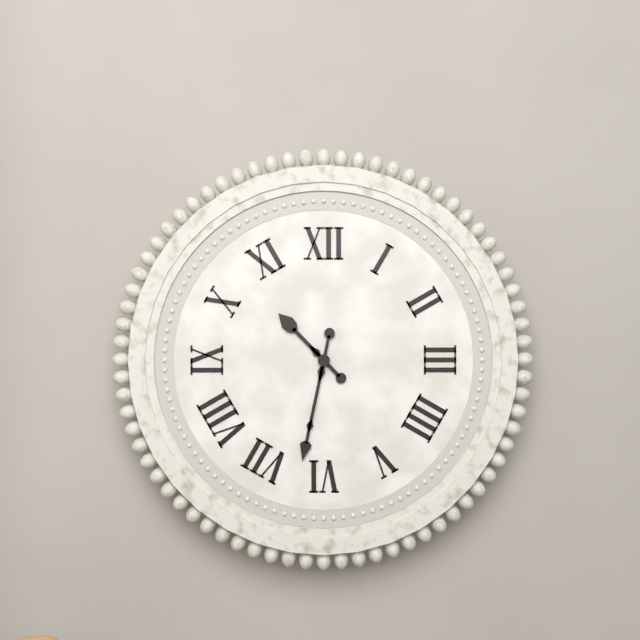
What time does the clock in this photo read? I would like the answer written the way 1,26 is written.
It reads 10,32
